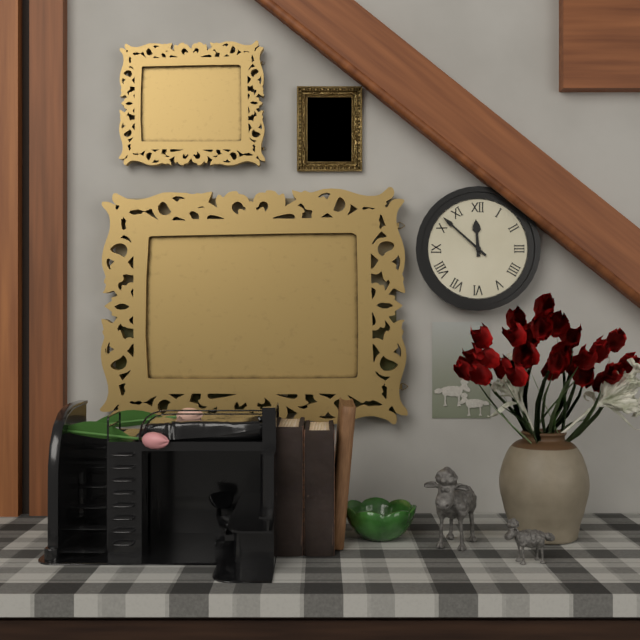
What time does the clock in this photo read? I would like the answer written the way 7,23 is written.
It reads 11,52
